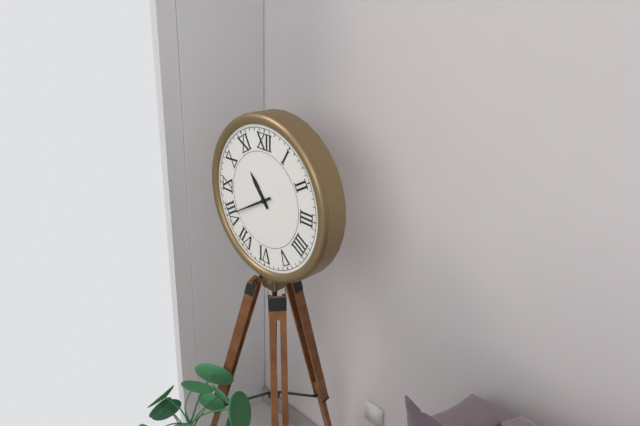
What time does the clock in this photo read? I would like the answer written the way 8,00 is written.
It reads 10,40
